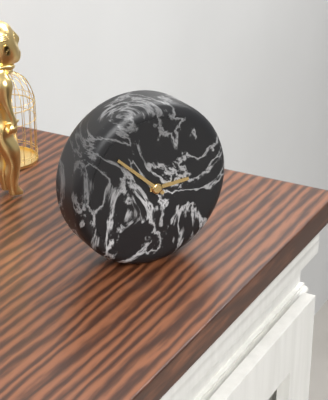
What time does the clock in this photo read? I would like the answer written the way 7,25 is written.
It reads 2,52
